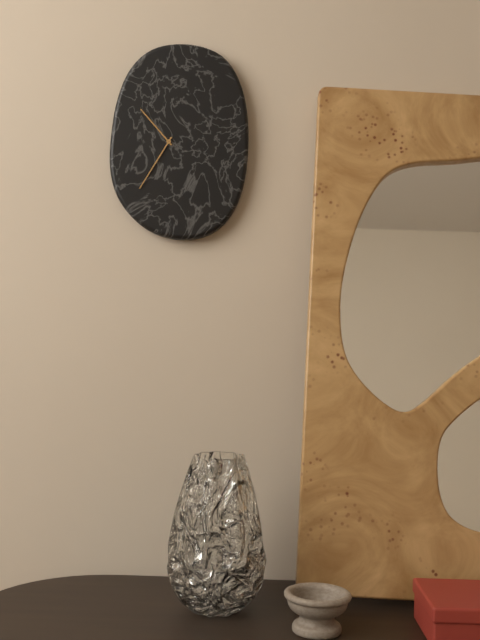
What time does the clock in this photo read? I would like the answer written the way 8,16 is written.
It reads 10,35
